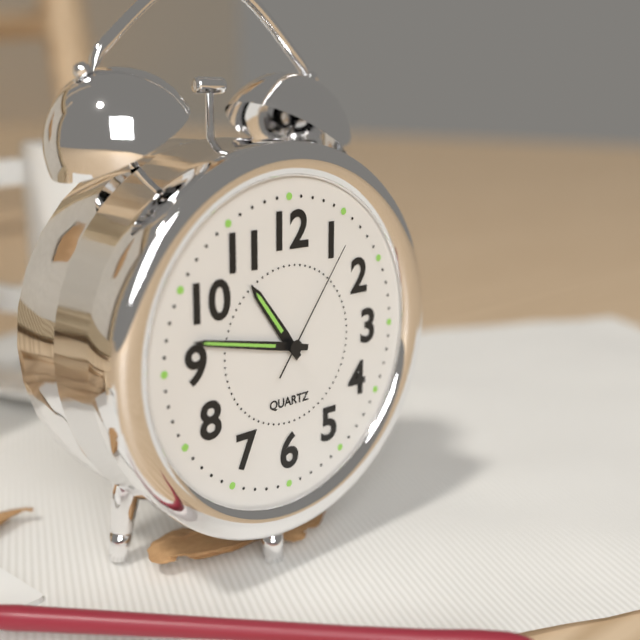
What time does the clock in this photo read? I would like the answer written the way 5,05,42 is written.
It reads 10,47,06
